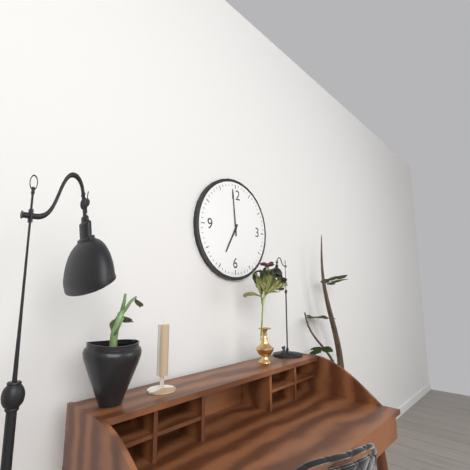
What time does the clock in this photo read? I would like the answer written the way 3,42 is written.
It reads 6,59
